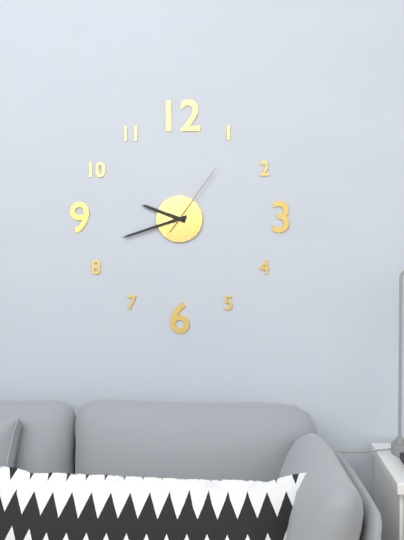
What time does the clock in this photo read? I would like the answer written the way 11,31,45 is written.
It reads 9,42,06
